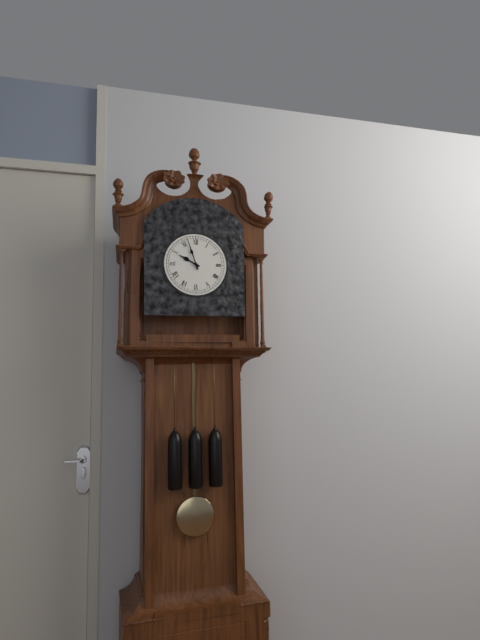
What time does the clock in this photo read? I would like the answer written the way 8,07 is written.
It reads 9,57
